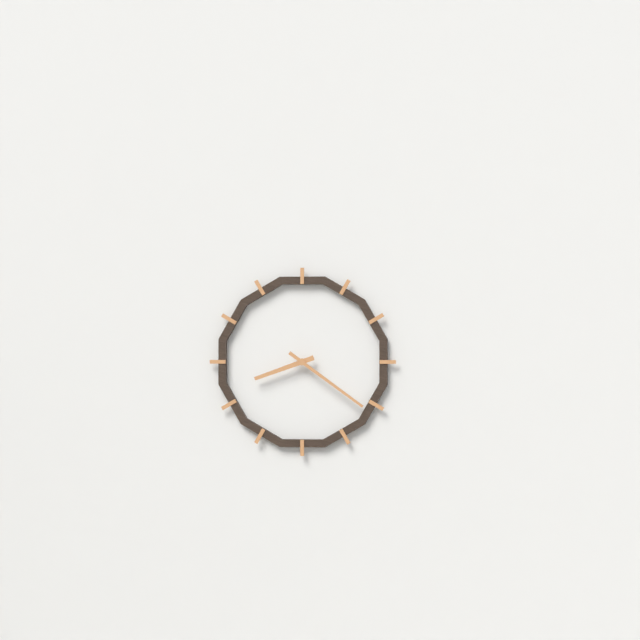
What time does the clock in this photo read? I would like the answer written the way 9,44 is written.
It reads 8,21
